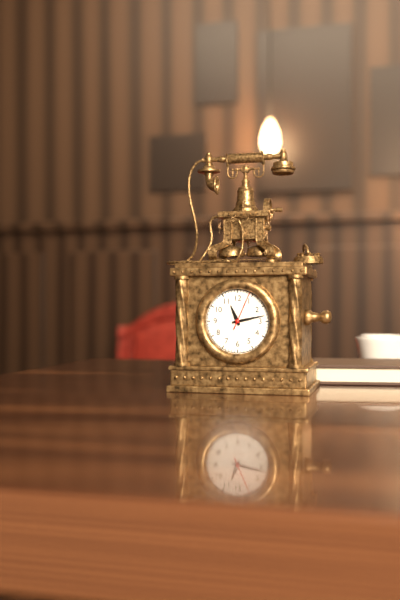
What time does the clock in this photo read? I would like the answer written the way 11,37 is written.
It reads 11,13
